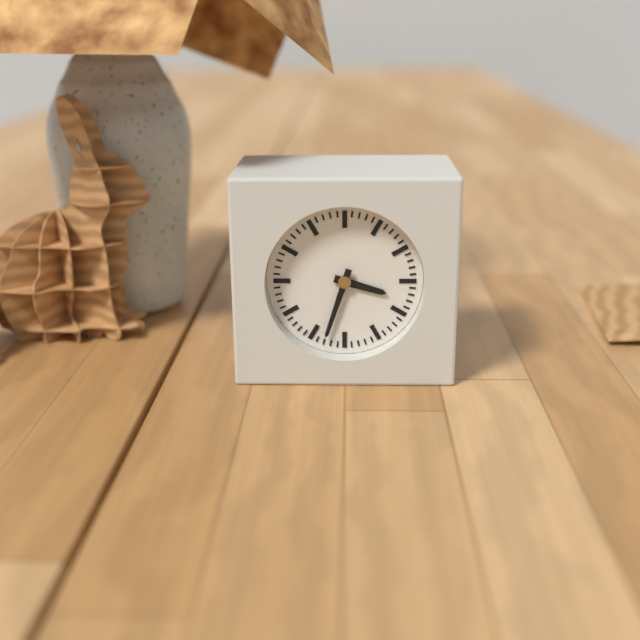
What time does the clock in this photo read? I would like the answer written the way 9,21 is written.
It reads 3,33
